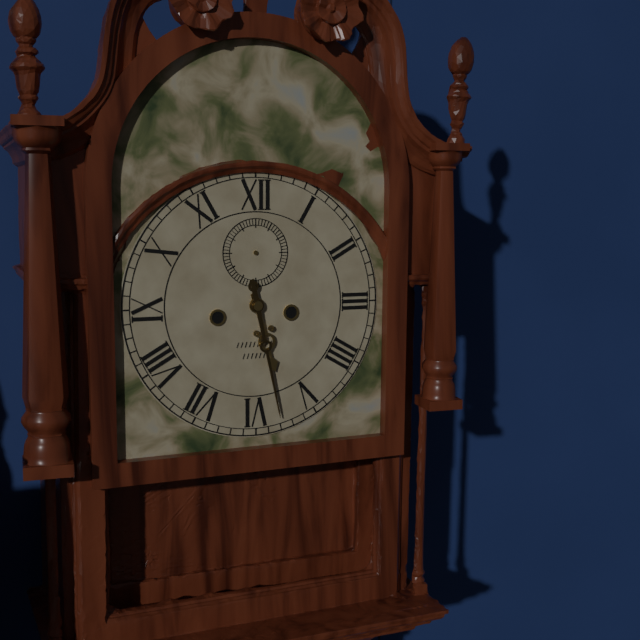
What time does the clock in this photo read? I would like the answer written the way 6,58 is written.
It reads 5,28
